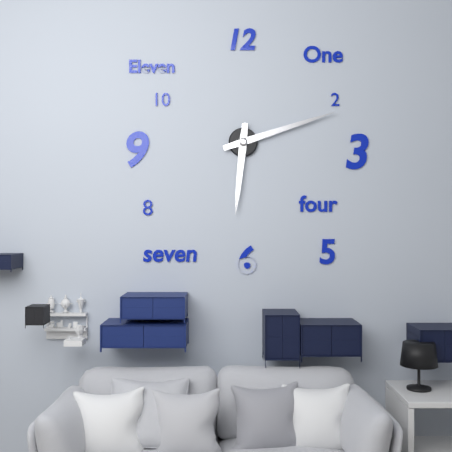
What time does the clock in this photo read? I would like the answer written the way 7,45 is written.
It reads 6,12
